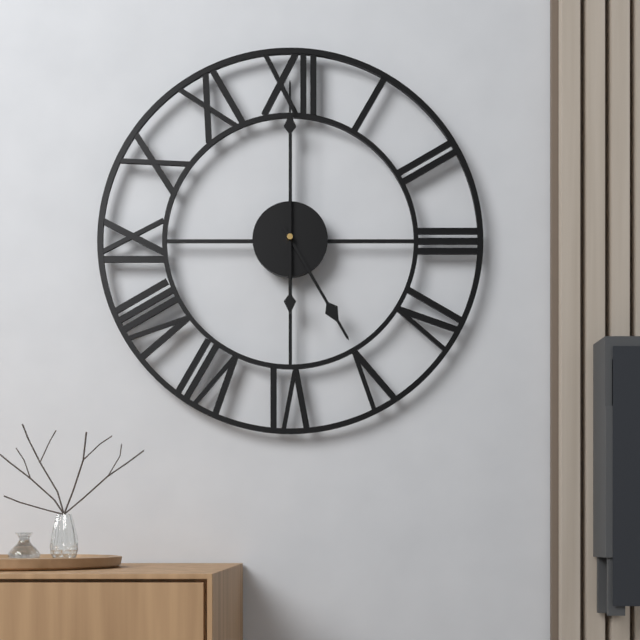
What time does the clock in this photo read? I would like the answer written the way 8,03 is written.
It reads 5,00
